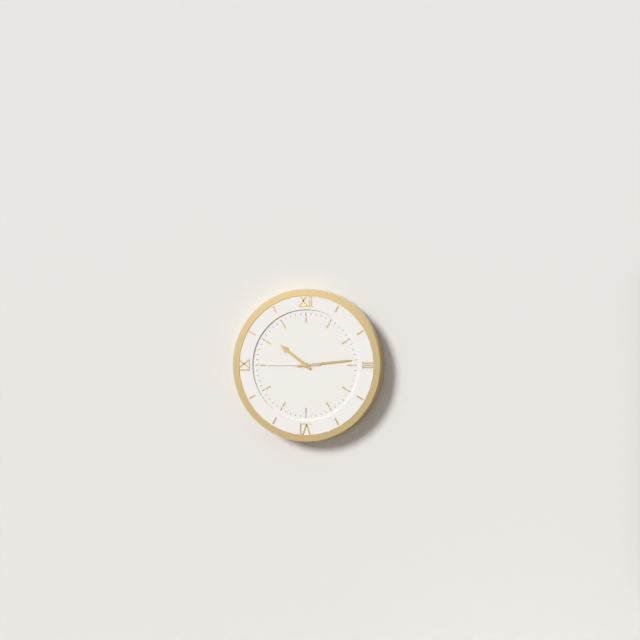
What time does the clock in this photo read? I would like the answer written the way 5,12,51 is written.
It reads 10,14,45
